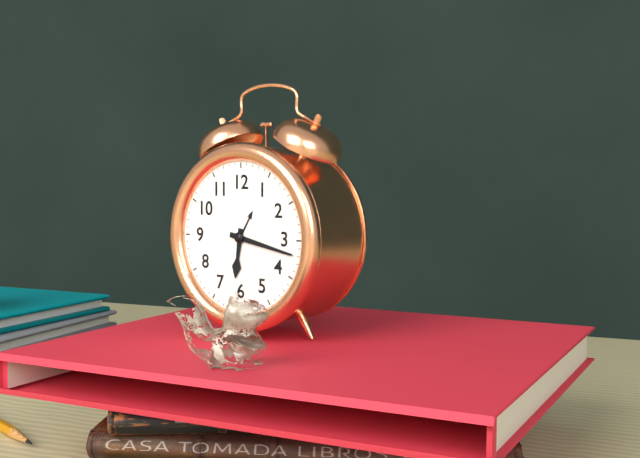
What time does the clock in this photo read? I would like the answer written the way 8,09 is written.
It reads 6,17
